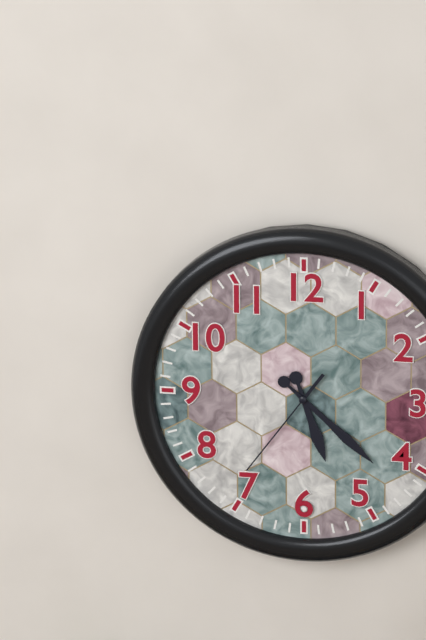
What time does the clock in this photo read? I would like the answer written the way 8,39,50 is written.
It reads 5,22,36
